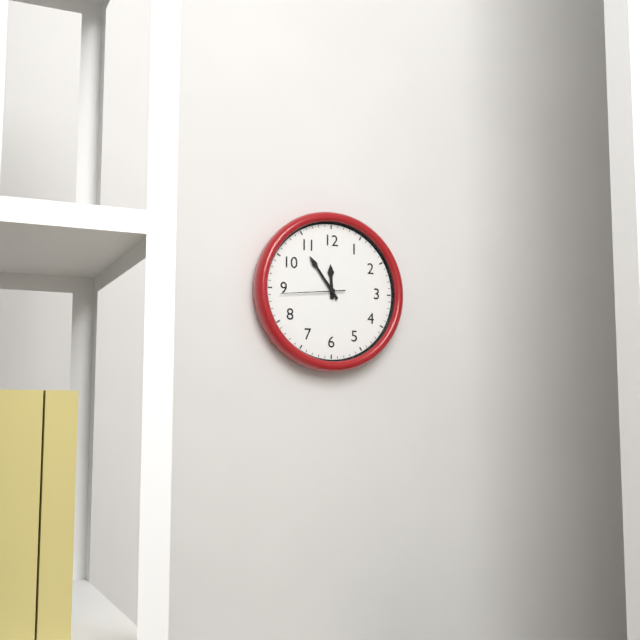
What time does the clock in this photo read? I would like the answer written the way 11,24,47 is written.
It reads 11,54,44
